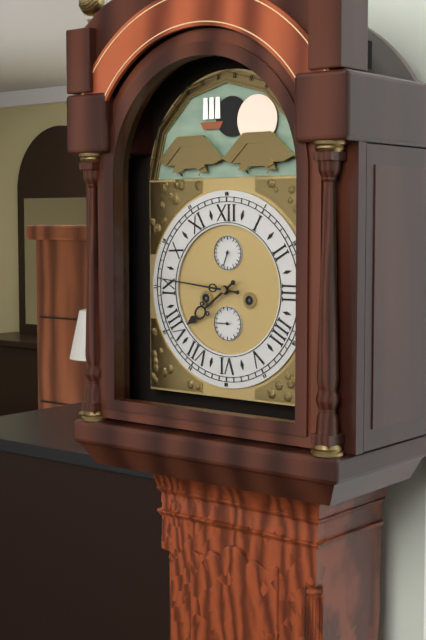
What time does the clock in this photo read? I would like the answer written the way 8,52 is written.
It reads 7,46
